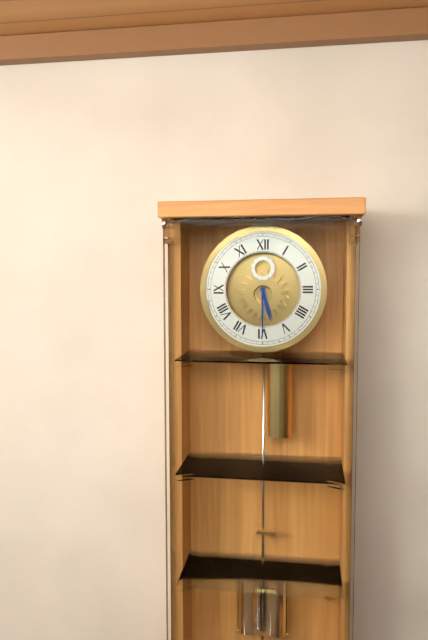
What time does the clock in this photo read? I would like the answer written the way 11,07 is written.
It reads 5,30
